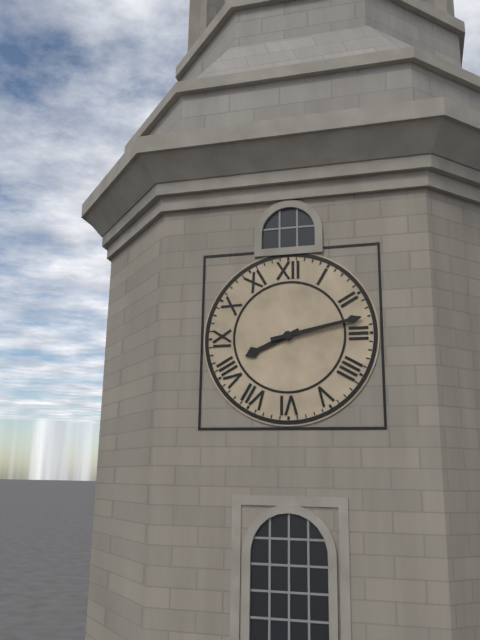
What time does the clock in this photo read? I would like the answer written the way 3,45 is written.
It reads 8,13
